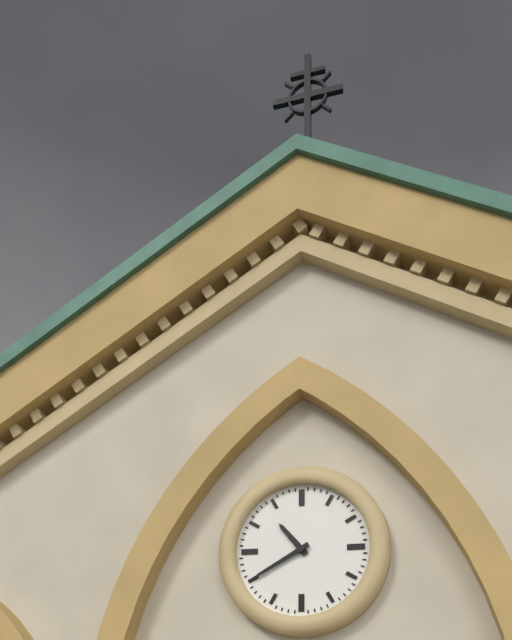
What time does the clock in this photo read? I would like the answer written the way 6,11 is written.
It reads 10,40
